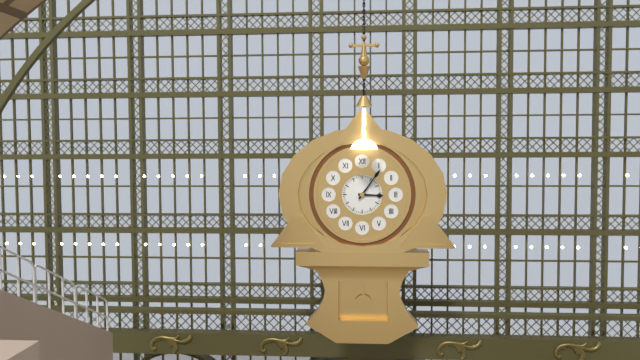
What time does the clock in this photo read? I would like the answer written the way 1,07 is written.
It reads 3,06
